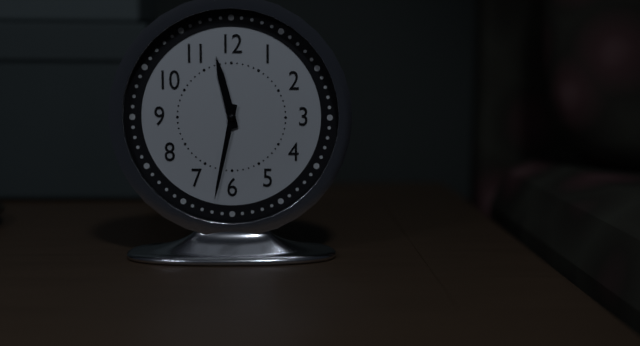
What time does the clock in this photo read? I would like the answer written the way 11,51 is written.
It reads 11,32
